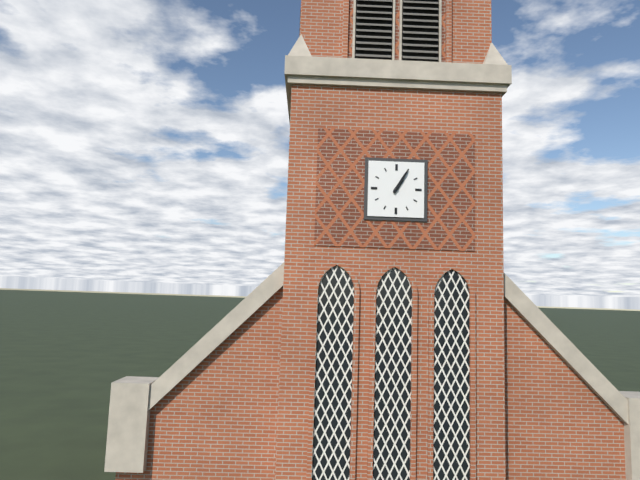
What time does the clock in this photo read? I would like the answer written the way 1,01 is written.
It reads 1,05
